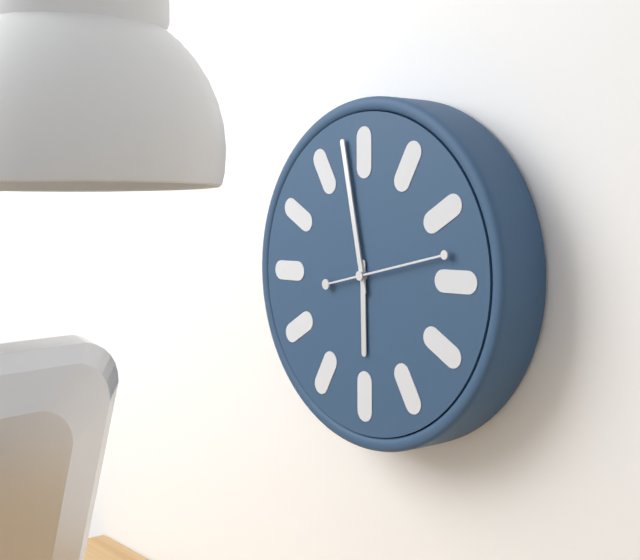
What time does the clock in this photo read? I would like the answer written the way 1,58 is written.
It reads 5,58
